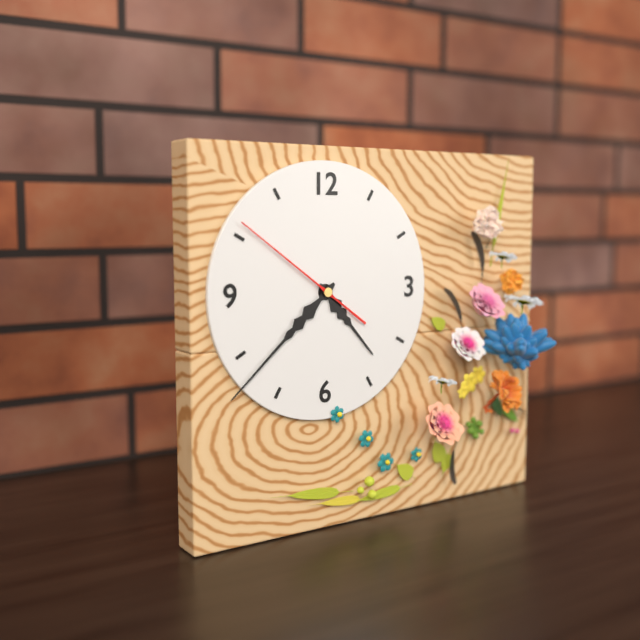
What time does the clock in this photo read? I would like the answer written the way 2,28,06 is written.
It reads 4,38,51
